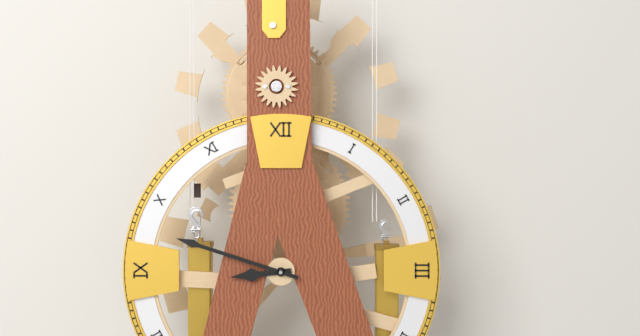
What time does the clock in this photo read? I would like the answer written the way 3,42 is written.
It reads 8,48
